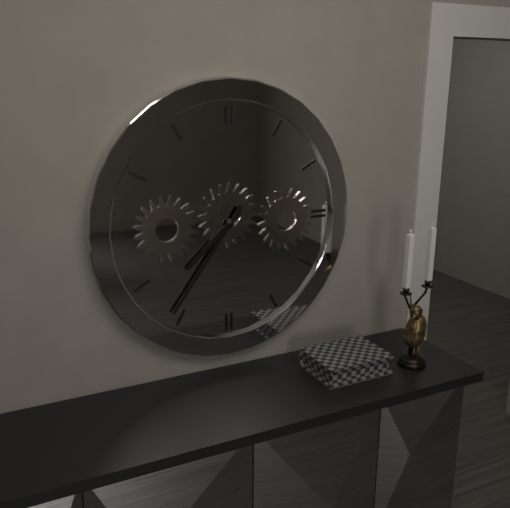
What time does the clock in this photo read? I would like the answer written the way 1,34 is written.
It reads 7,36
